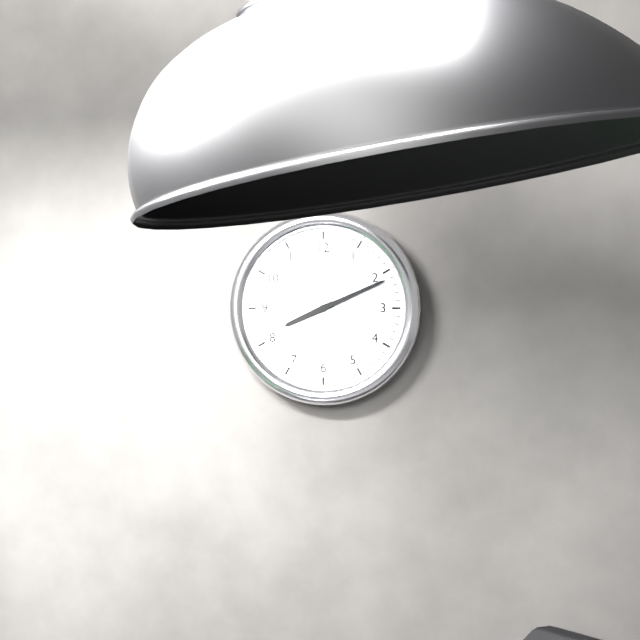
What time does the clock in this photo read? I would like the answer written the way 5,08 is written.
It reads 8,11
